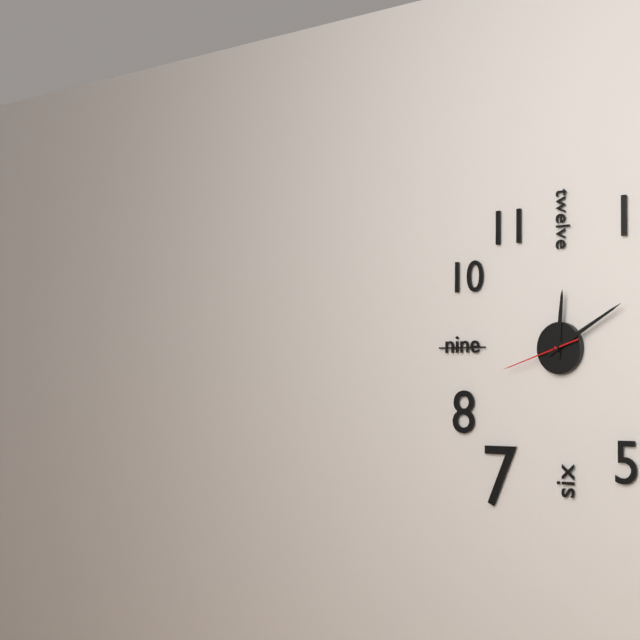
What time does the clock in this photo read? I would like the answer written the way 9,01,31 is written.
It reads 12,10,42
